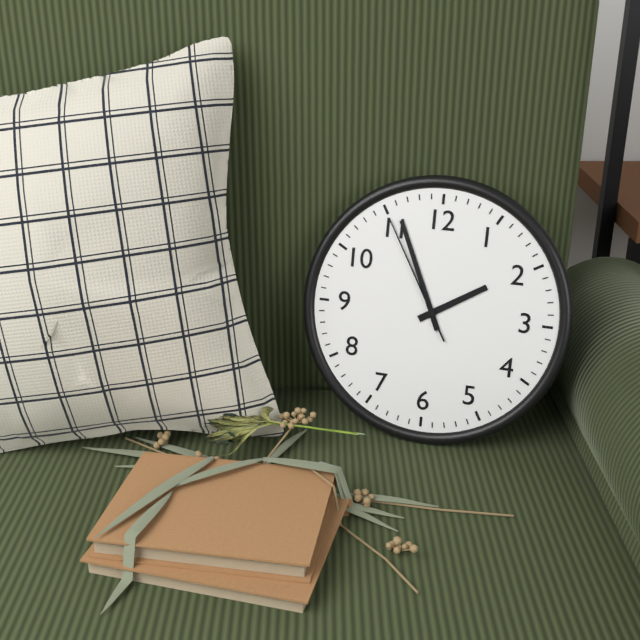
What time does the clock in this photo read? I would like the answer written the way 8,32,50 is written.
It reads 1,56,55
